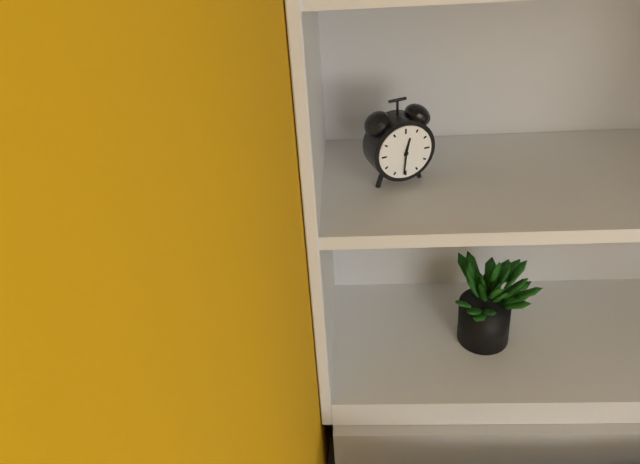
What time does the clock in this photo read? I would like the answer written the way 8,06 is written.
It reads 12,31
